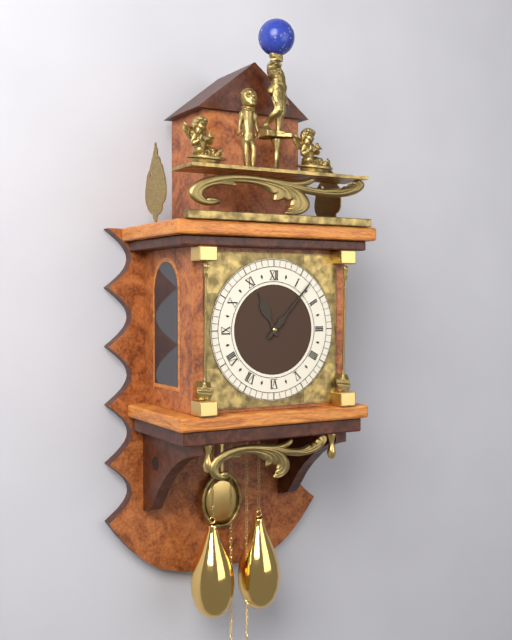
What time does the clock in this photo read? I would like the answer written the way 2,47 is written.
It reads 11,07
